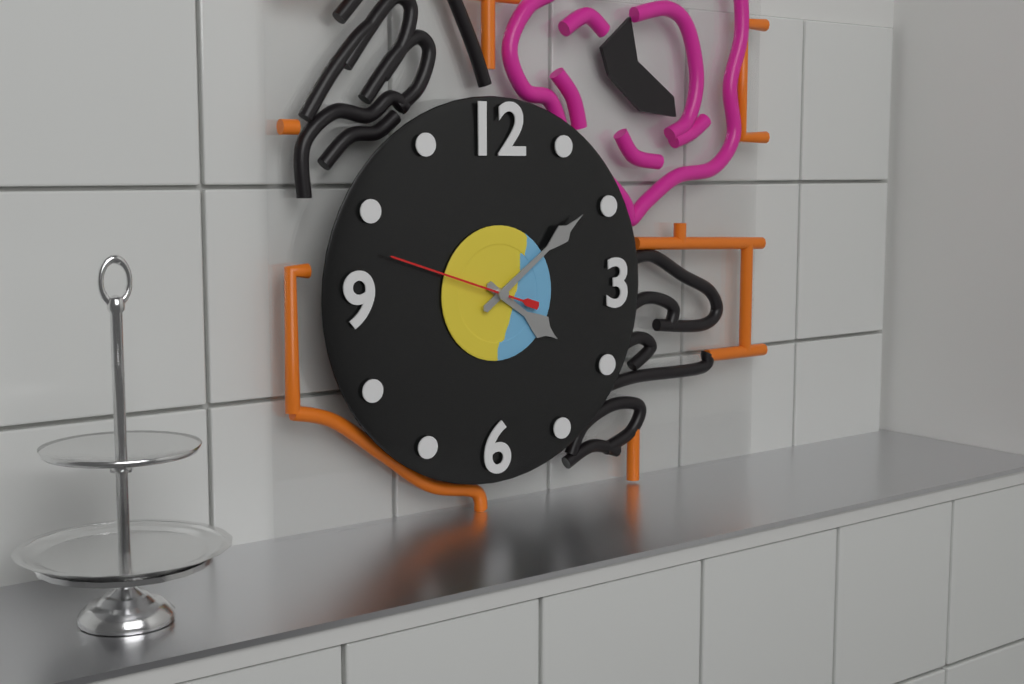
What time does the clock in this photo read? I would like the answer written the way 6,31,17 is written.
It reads 4,09,48
